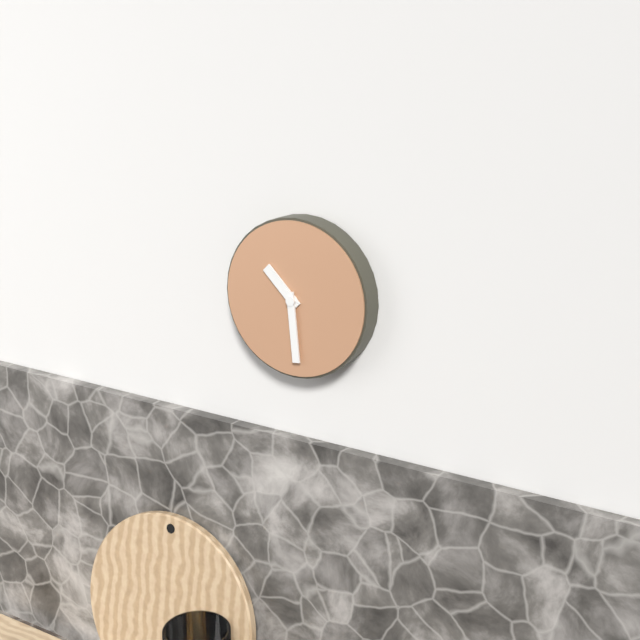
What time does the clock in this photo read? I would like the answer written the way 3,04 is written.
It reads 10,29
